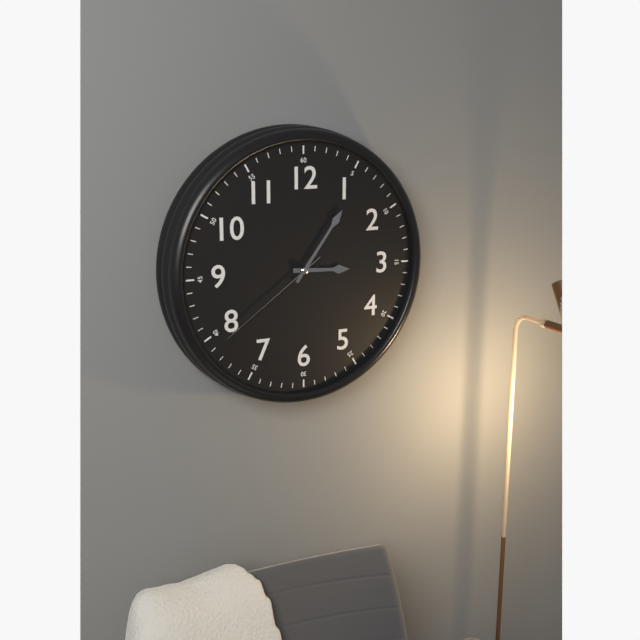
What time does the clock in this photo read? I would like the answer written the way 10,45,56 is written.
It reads 3,06,39
